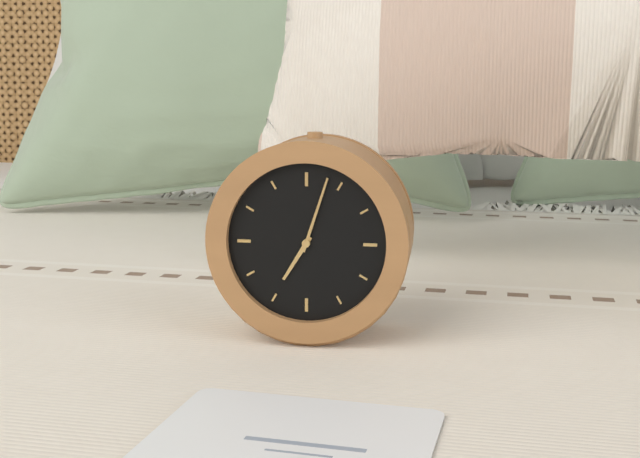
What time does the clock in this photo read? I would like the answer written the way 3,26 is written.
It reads 7,03
